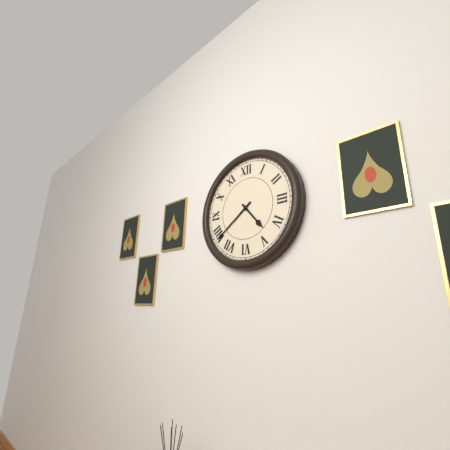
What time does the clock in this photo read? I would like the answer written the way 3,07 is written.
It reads 4,39
